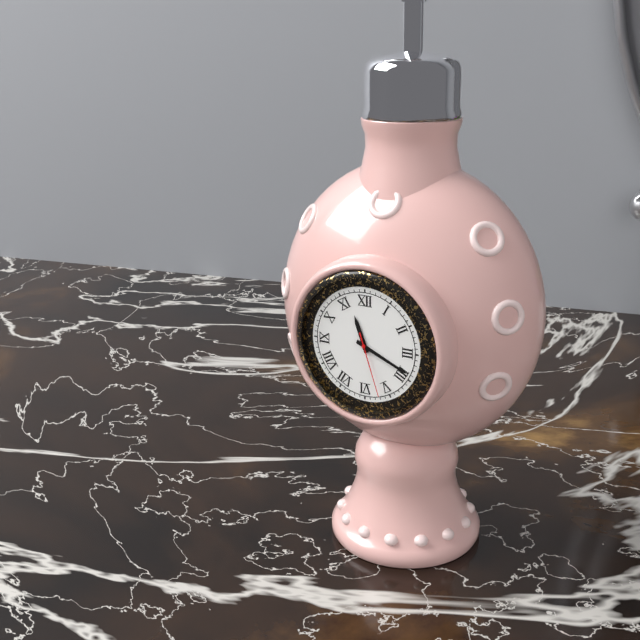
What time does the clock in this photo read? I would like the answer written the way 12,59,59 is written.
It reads 11,19,27
